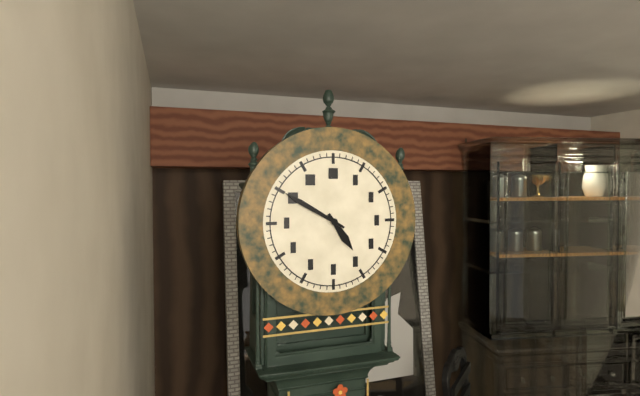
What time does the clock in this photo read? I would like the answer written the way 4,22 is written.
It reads 4,50
